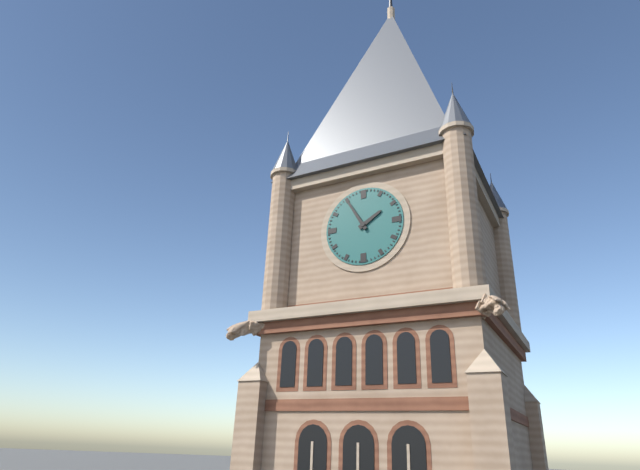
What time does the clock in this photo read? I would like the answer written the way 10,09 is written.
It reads 1,55
